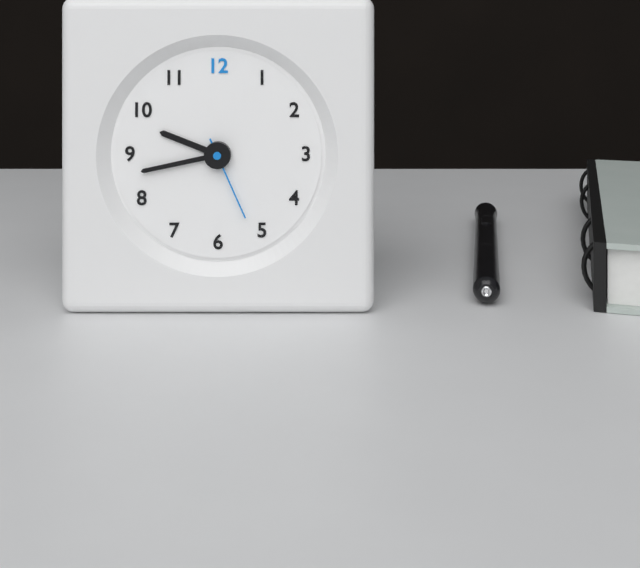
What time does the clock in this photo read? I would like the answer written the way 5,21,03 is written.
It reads 9,43,26
